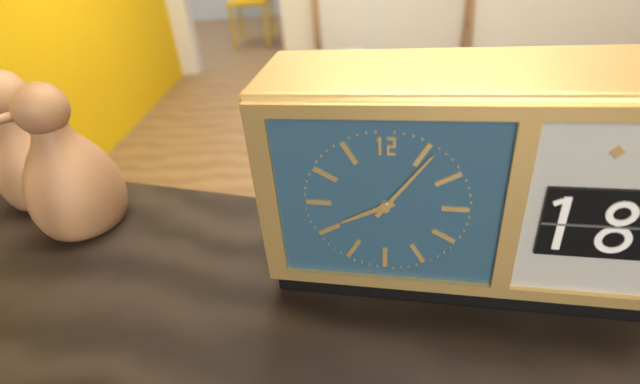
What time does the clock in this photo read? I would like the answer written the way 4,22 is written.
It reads 8,06
